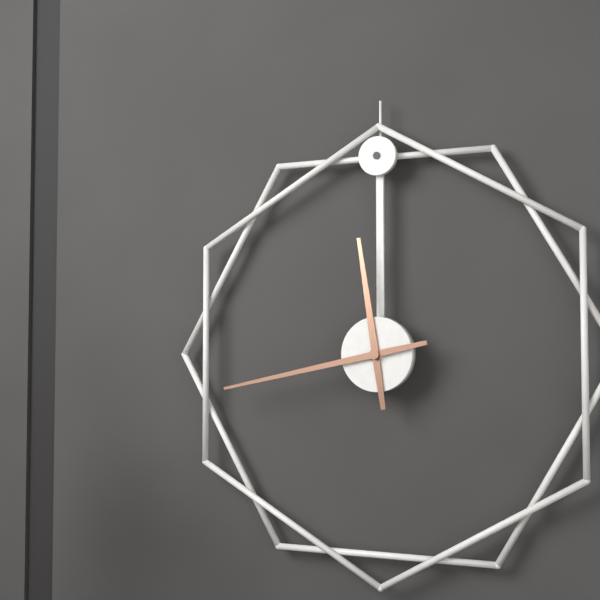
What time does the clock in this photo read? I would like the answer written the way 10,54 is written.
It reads 11,43
